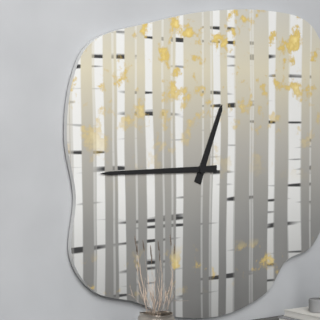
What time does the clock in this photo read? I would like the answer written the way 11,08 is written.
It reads 12,45
